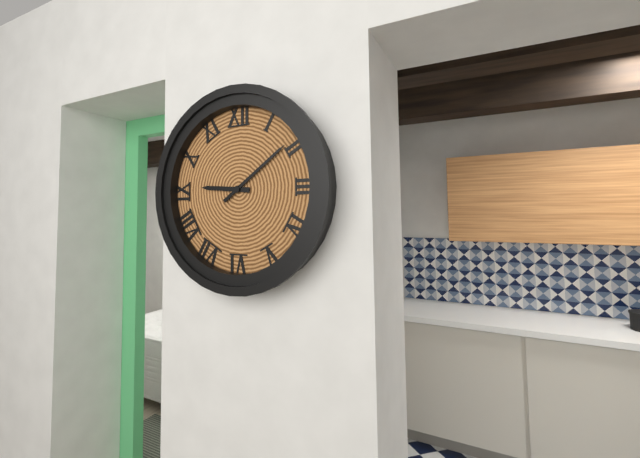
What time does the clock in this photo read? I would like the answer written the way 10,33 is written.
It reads 9,09
